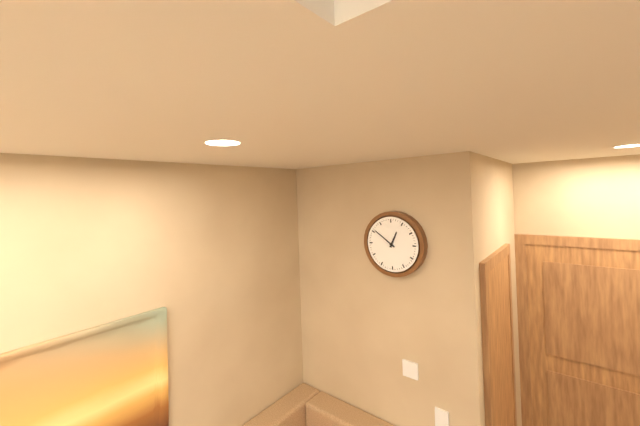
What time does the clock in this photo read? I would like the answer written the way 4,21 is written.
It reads 12,51
